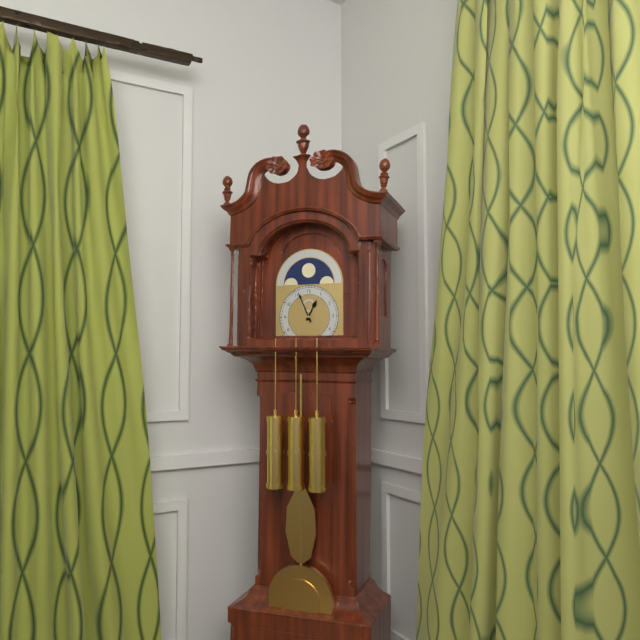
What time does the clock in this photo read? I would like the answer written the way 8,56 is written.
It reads 12,56
